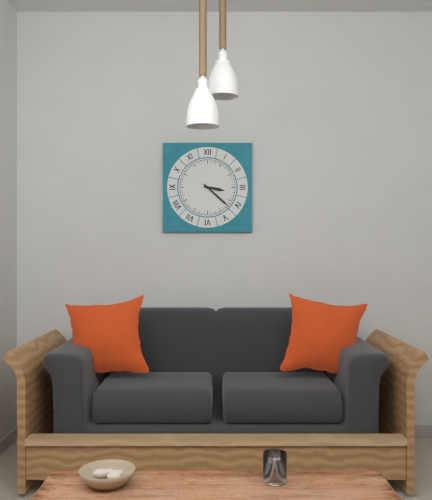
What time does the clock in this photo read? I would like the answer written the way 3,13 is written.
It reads 3,22
